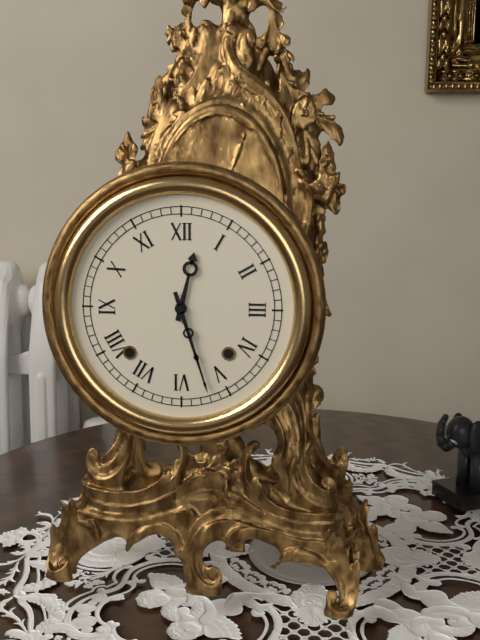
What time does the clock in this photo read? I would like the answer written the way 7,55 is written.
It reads 12,27
